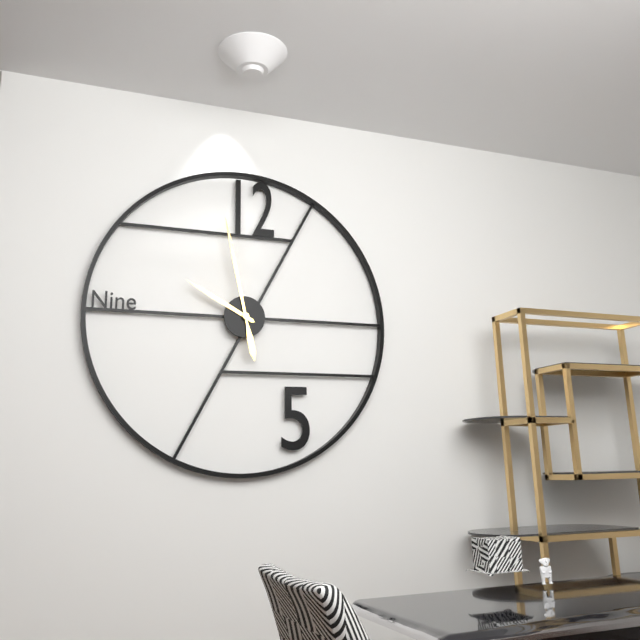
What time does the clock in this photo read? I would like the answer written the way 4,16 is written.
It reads 9,58
